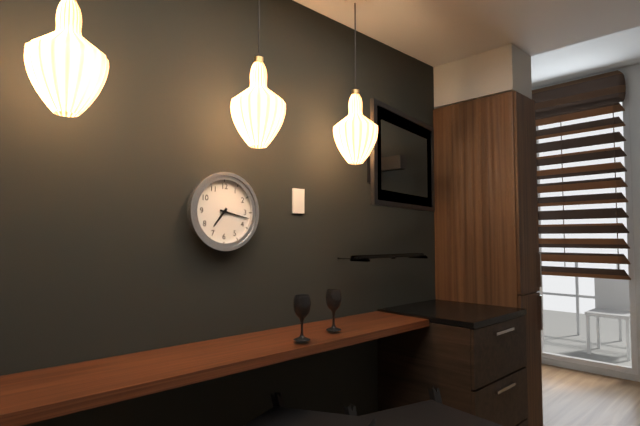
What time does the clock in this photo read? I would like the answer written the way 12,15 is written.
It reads 7,17
